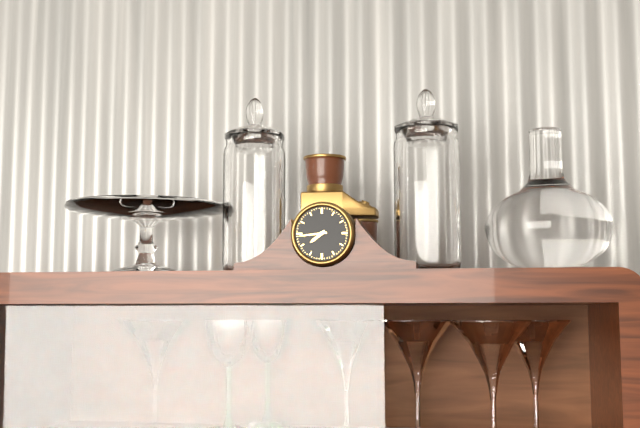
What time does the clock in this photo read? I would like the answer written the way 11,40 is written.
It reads 7,44
